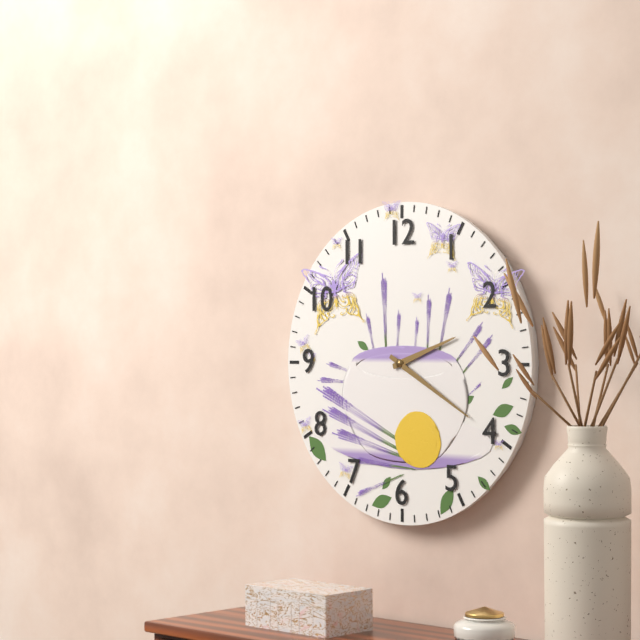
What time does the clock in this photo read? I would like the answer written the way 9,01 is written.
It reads 2,20
